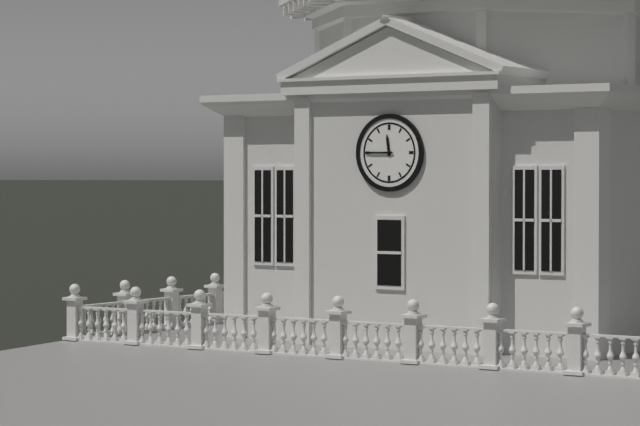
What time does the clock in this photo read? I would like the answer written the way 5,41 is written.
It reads 11,45
